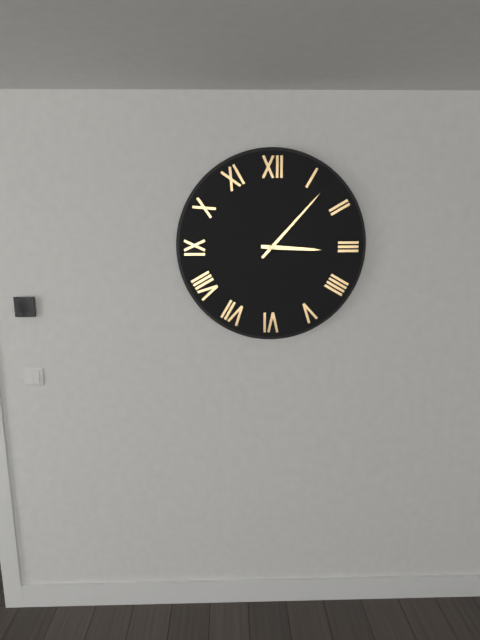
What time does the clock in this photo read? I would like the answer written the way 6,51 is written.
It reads 3,07
